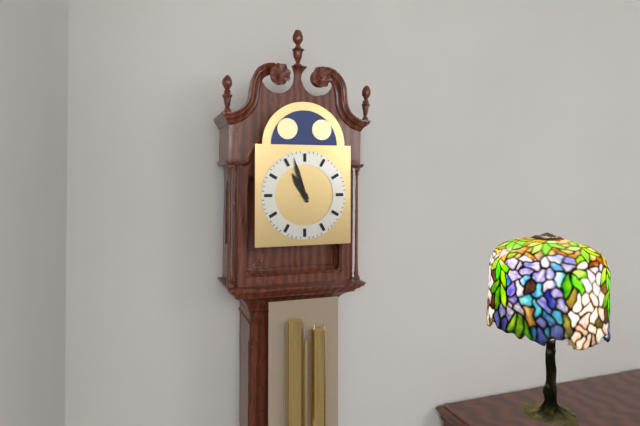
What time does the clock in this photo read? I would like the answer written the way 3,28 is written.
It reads 10,57
